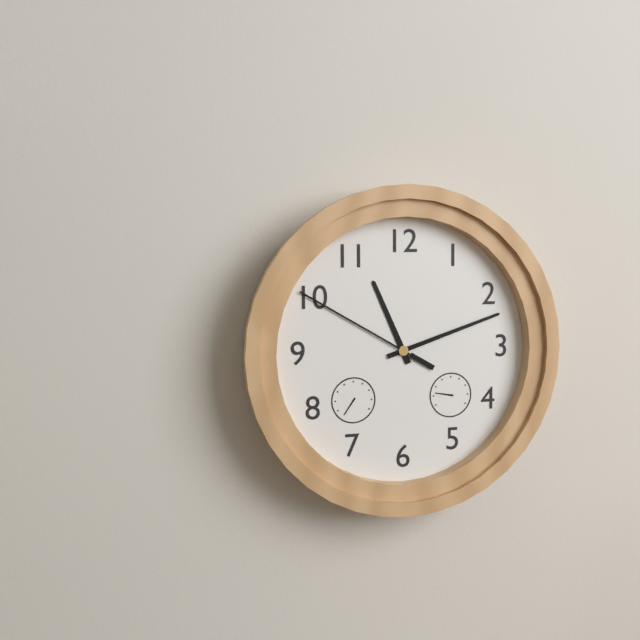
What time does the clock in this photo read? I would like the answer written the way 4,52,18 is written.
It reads 11,12,50
